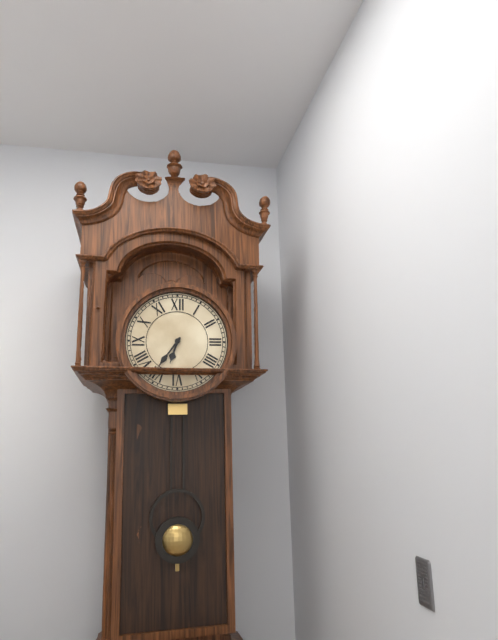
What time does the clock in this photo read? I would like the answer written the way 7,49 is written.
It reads 6,36
